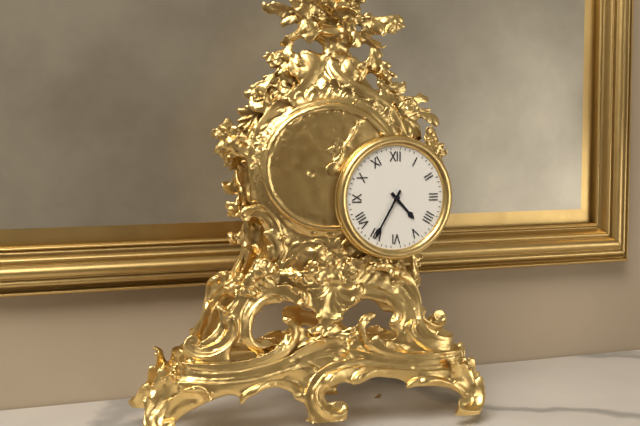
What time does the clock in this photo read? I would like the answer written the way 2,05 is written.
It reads 4,35
